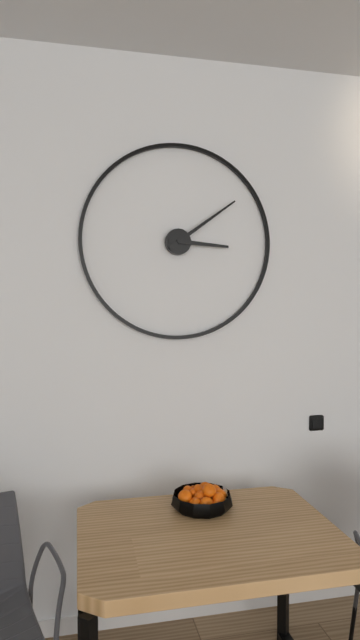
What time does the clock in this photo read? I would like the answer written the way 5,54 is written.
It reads 3,09
